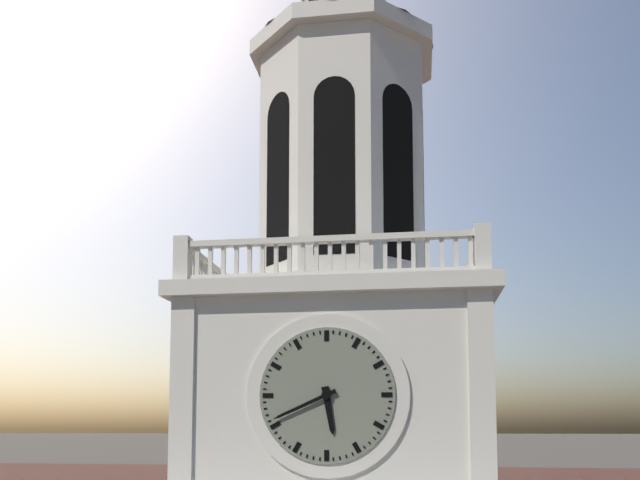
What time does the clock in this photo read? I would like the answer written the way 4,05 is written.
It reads 5,41
